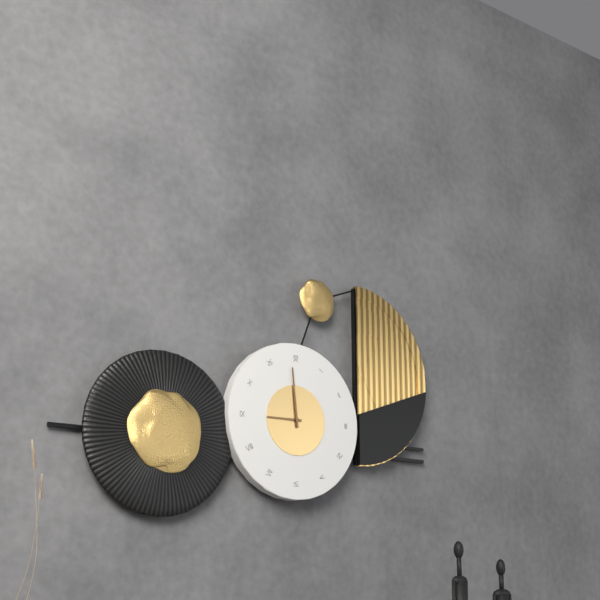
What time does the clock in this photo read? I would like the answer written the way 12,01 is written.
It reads 8,59
